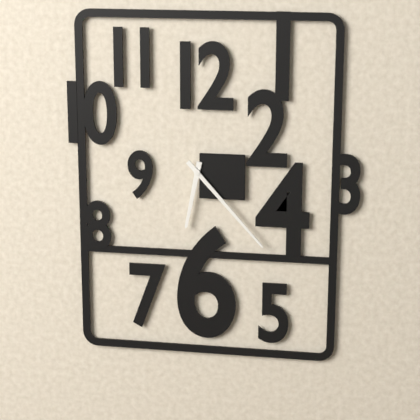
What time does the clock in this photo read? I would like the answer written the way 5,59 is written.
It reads 6,23
